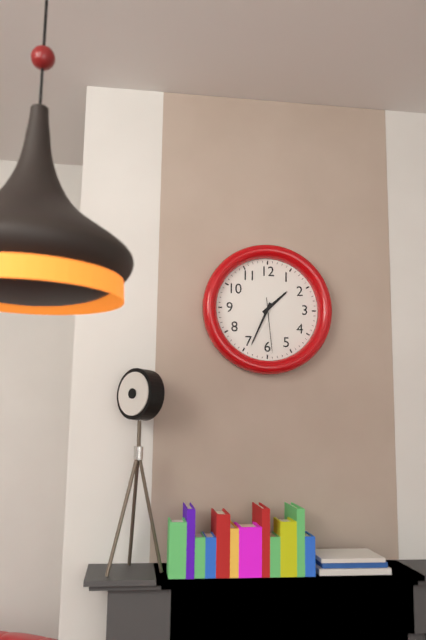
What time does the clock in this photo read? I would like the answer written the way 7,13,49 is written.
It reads 1,34,29
